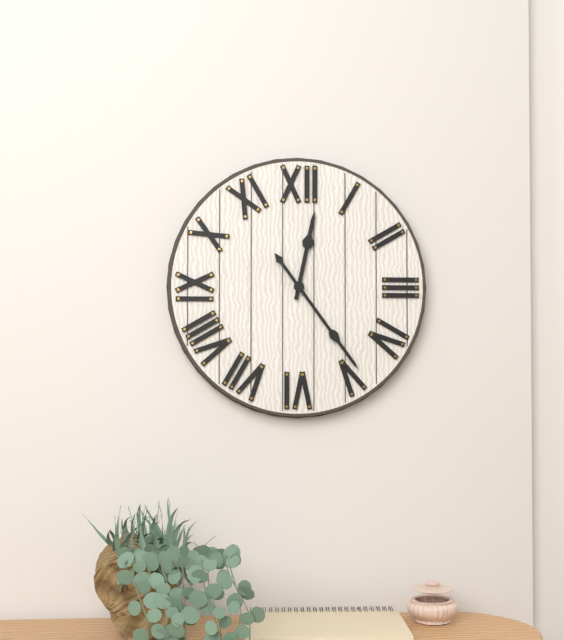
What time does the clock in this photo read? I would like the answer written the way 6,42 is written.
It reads 12,24
